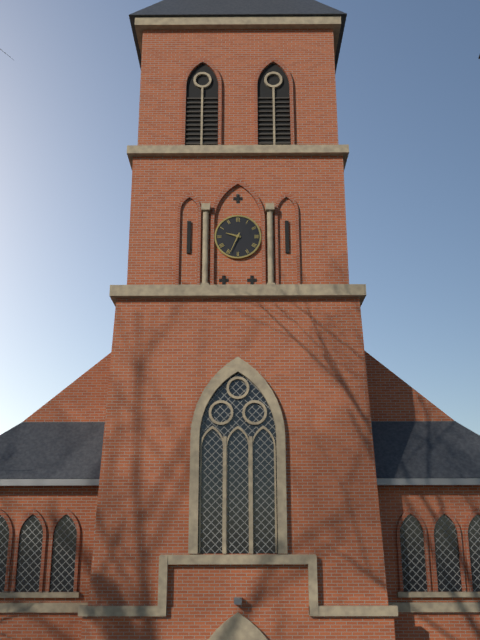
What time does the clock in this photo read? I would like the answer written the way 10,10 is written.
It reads 9,34
